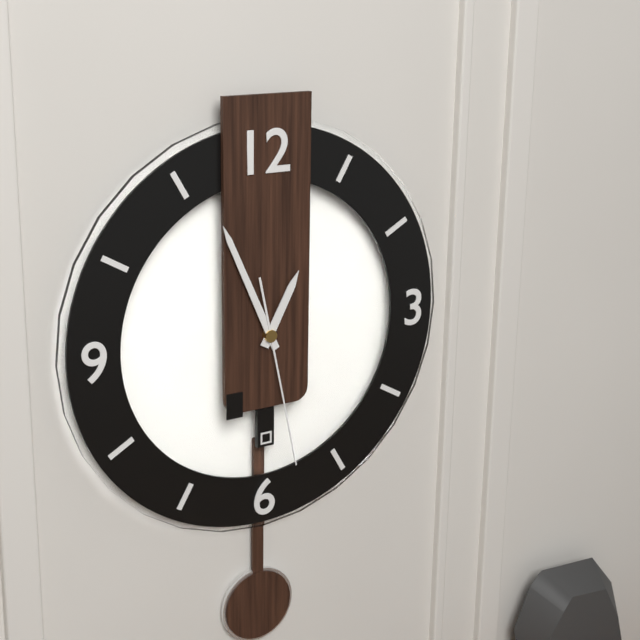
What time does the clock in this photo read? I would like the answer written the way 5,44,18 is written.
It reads 12,56,28
